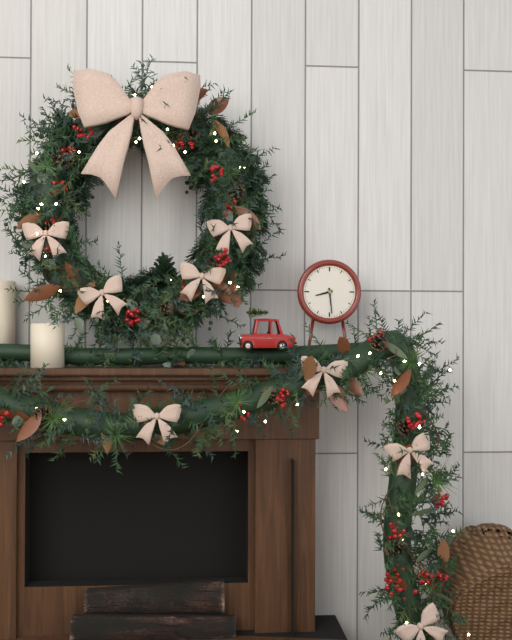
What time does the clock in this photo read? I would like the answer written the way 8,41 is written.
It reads 8,29
